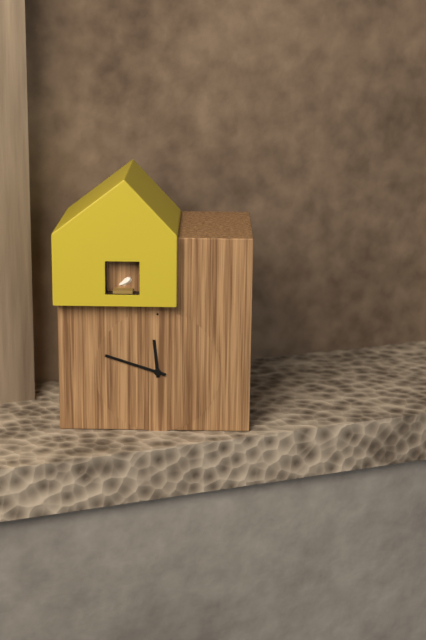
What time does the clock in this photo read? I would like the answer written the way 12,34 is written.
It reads 11,48
